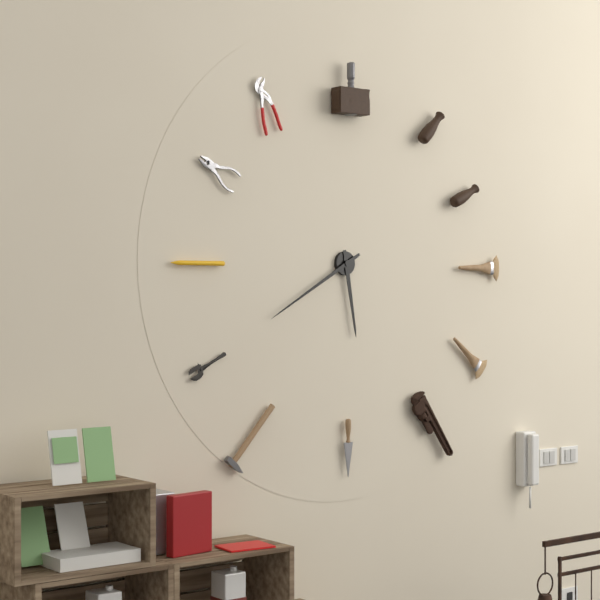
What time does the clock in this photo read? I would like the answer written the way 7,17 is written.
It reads 5,40
